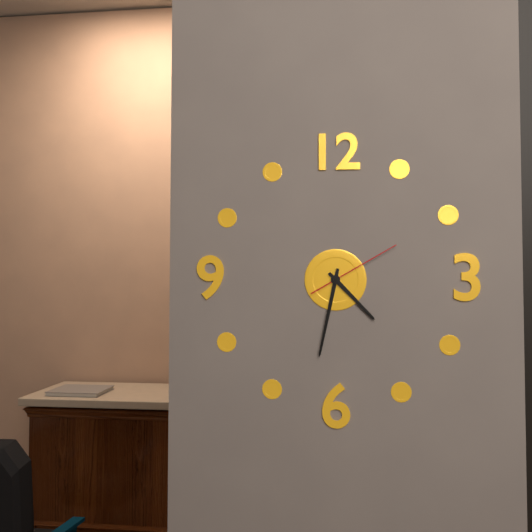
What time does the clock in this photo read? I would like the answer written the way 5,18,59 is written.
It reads 4,32,10
